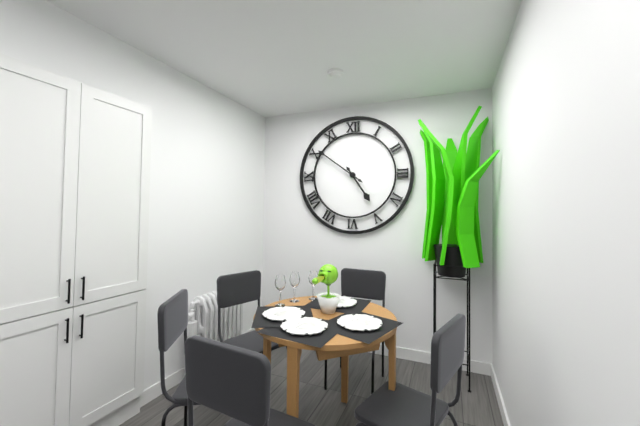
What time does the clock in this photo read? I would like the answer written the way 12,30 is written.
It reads 4,51
